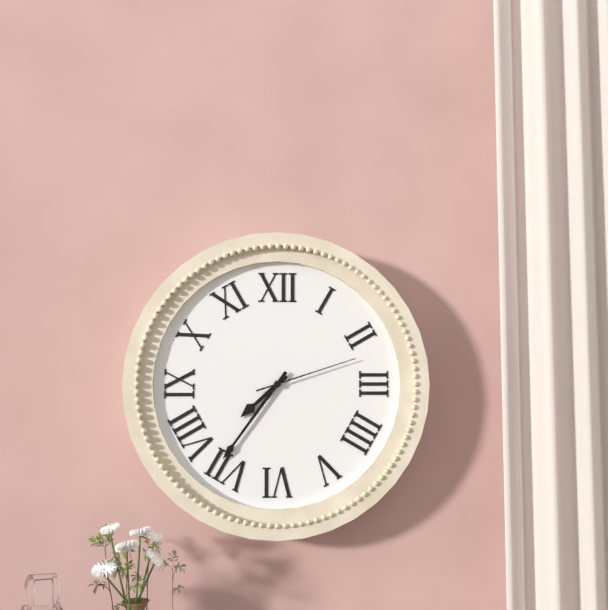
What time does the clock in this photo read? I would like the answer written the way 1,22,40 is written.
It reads 7,36,12
